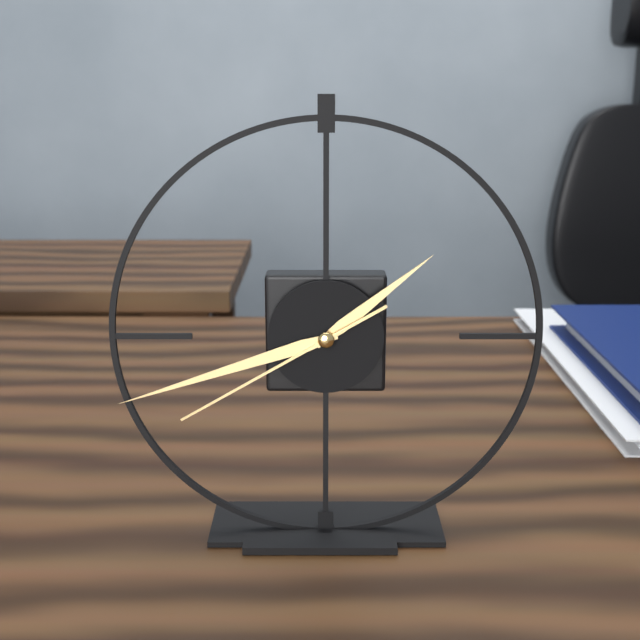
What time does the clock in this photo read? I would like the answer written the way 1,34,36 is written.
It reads 1,42,40
